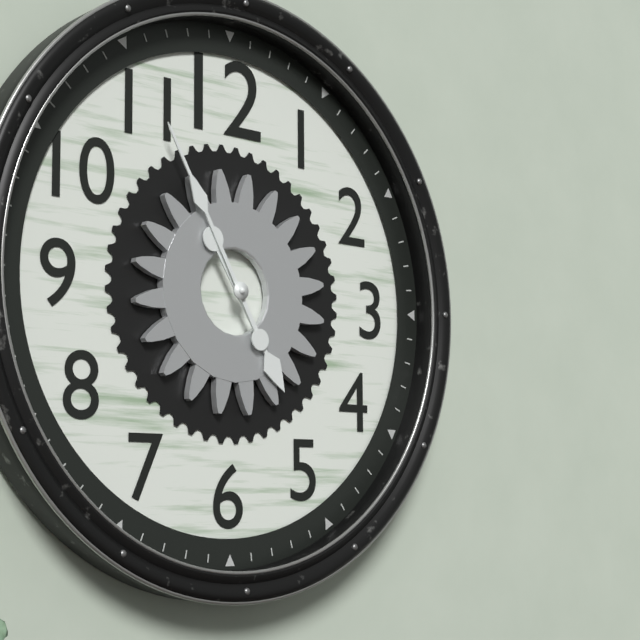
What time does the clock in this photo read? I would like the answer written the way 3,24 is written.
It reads 4,55
